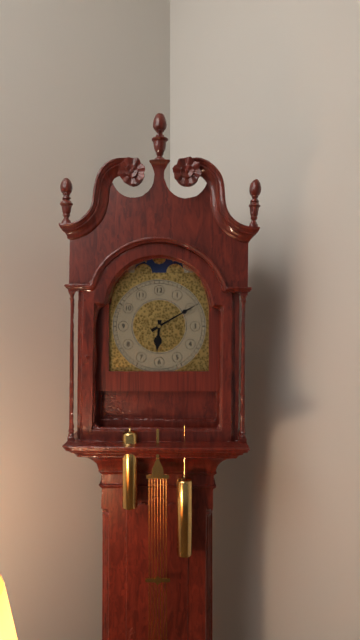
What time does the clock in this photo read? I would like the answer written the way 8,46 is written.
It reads 6,10
